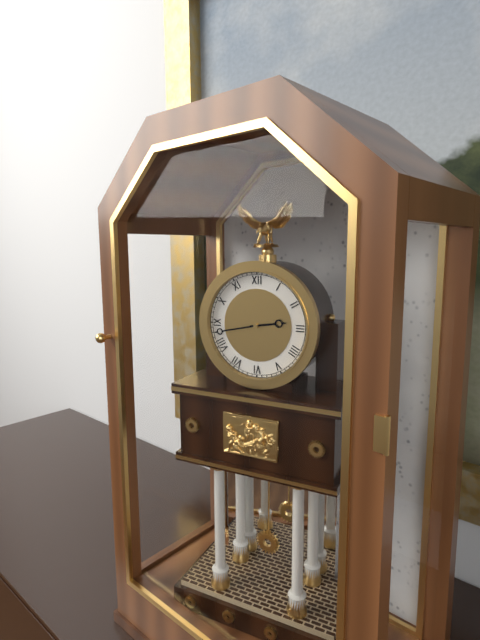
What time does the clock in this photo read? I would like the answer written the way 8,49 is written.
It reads 2,43
